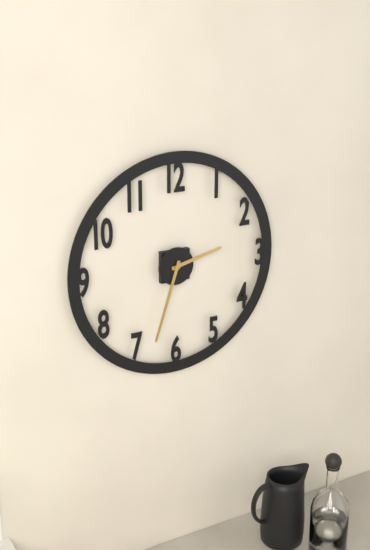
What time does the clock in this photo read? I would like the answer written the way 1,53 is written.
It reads 2,33
